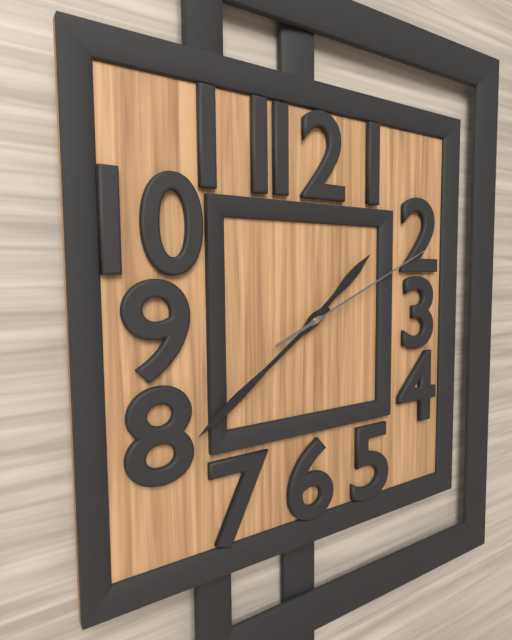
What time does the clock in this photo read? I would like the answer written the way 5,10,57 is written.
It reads 1,39,11
